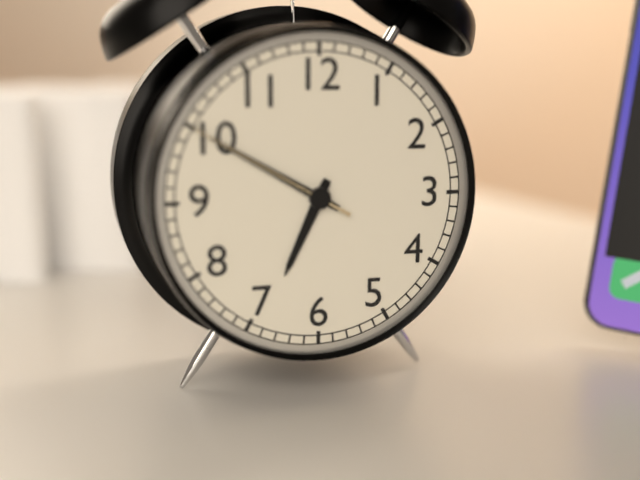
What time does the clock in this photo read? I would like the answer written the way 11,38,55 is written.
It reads 6,50,50
